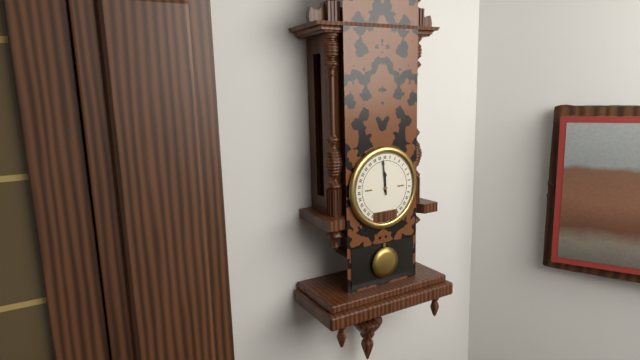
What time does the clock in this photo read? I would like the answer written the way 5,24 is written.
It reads 11,59
